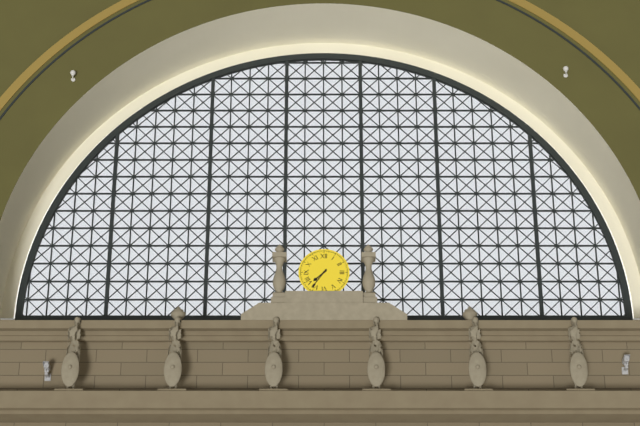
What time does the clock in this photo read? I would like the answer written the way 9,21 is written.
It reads 7,36
